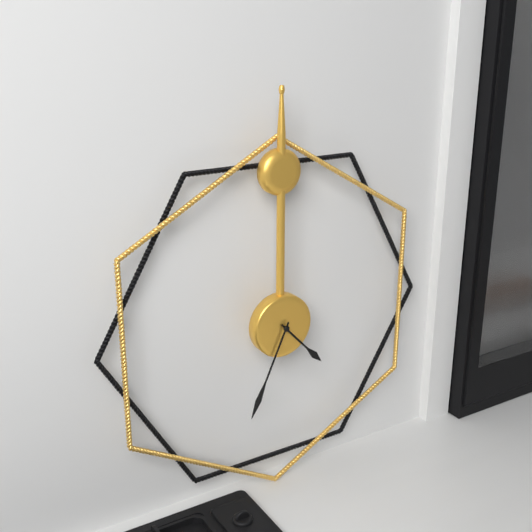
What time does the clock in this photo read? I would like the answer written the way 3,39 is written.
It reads 4,34
